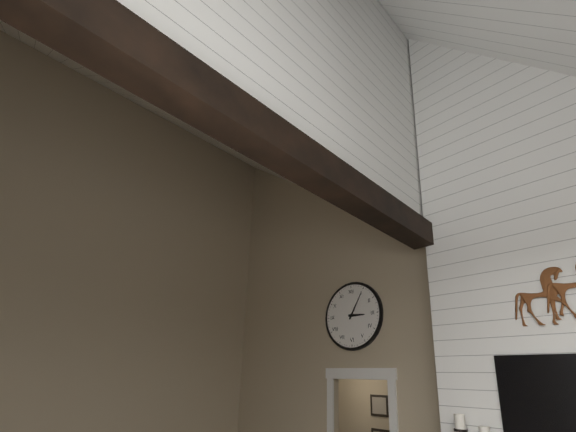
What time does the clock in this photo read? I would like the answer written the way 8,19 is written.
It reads 3,05
